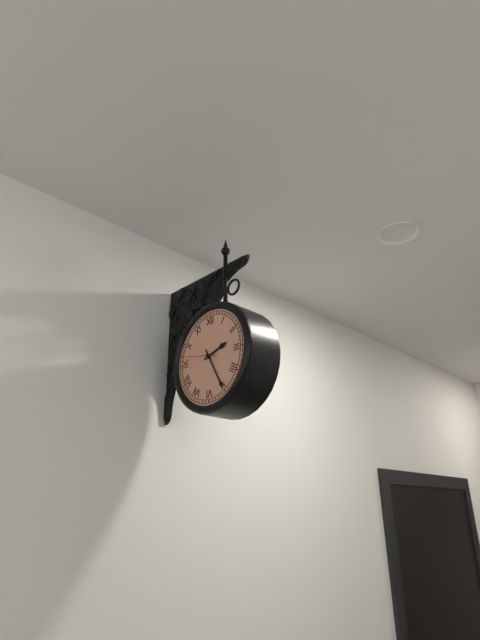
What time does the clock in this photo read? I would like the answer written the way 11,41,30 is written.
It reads 2,25,47
